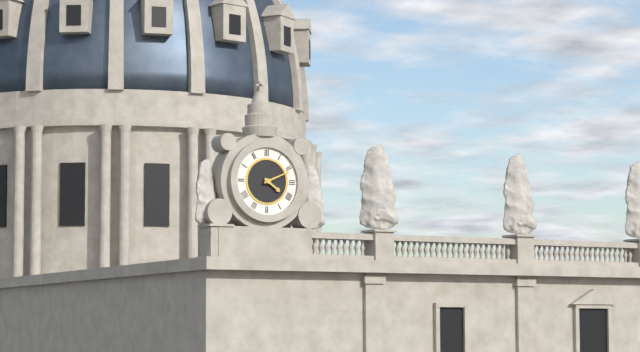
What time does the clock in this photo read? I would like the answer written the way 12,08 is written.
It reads 4,11
